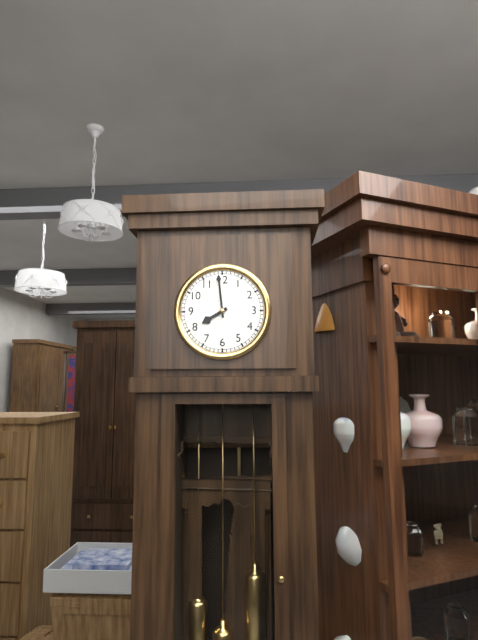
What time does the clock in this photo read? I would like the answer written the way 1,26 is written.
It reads 7,59
